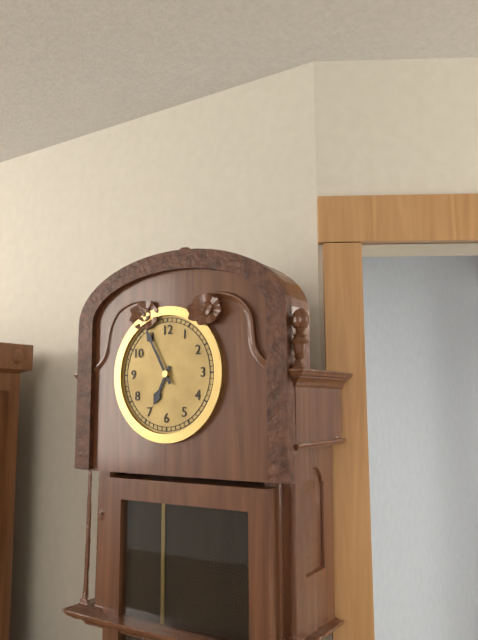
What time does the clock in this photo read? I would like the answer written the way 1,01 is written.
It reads 6,55
